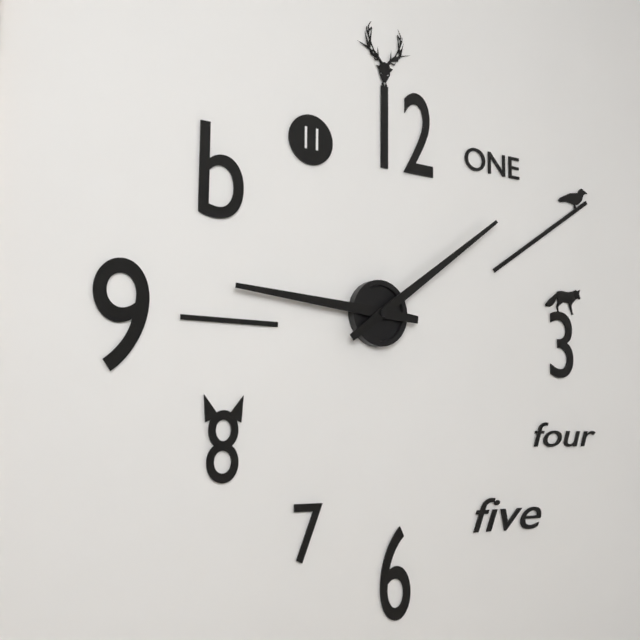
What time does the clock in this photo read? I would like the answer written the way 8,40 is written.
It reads 9,09
